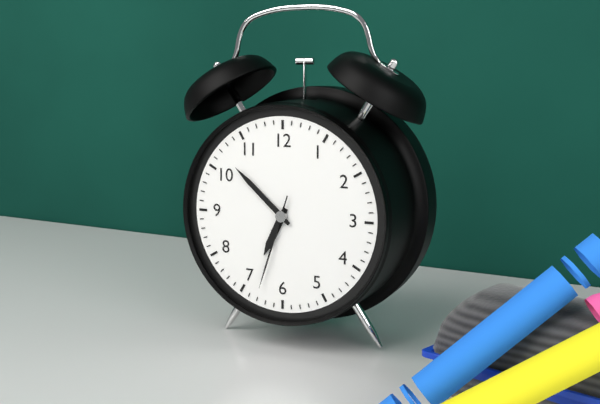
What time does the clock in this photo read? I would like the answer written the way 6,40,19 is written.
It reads 6,52,33
